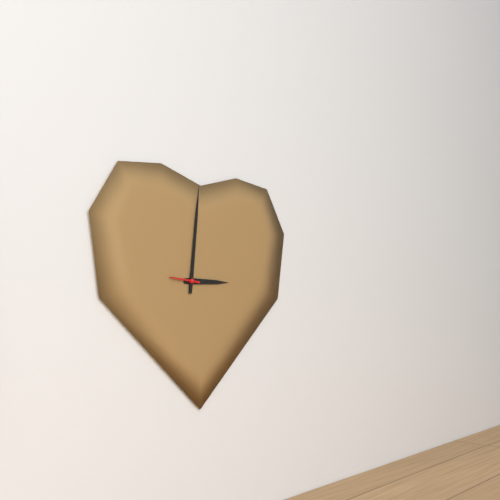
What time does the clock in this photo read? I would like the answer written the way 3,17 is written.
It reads 3,01
